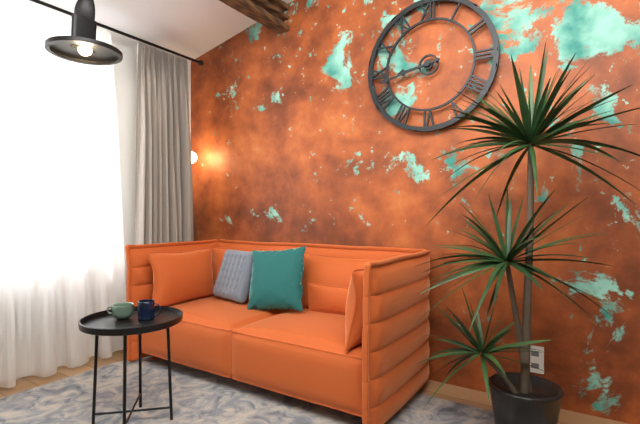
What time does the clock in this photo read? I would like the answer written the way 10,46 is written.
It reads 8,43
